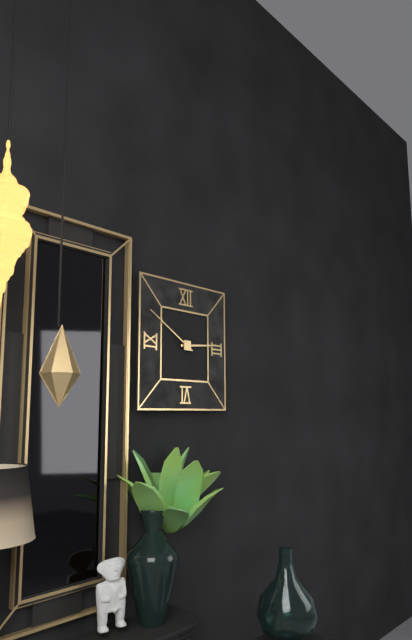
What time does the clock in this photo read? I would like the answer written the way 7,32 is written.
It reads 2,50
